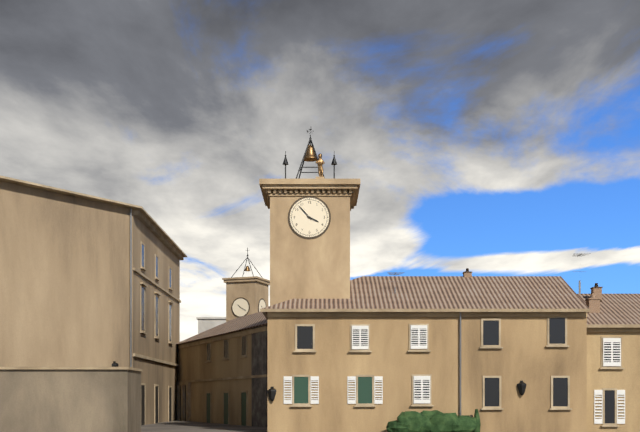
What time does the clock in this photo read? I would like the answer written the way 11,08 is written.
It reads 3,53
